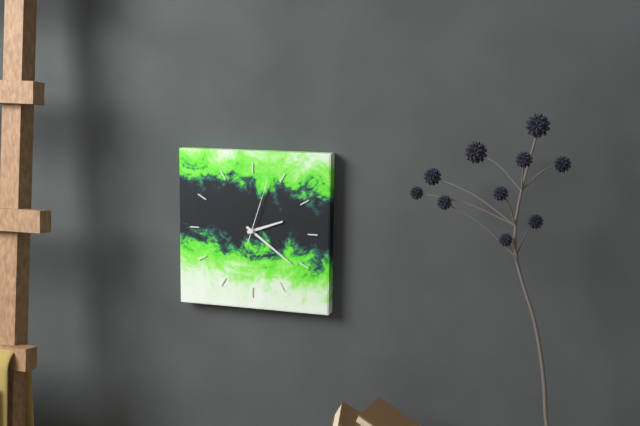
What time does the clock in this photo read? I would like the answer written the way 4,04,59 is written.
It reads 2,21,03
